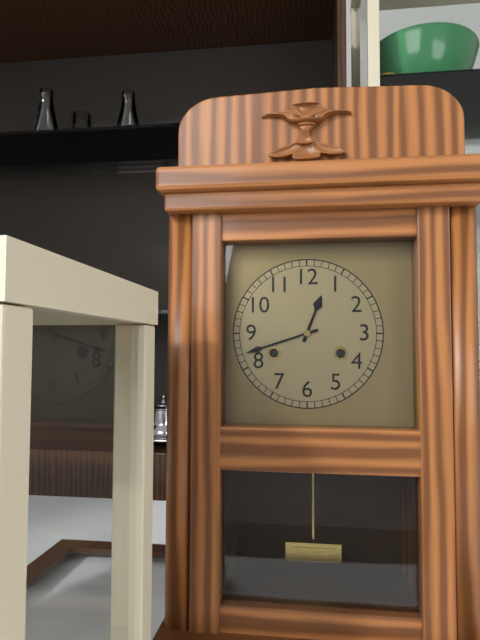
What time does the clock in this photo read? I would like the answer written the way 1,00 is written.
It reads 12,42
